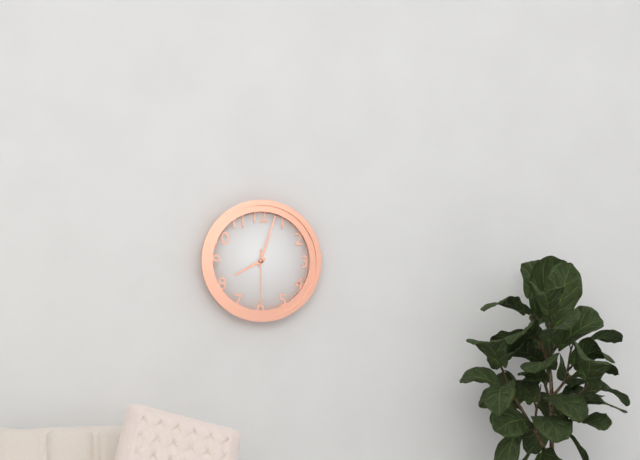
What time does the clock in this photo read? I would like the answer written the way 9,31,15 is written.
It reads 8,03,30
